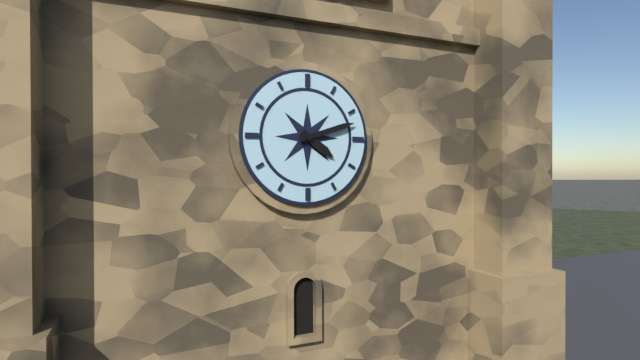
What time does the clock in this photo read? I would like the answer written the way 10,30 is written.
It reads 4,12
